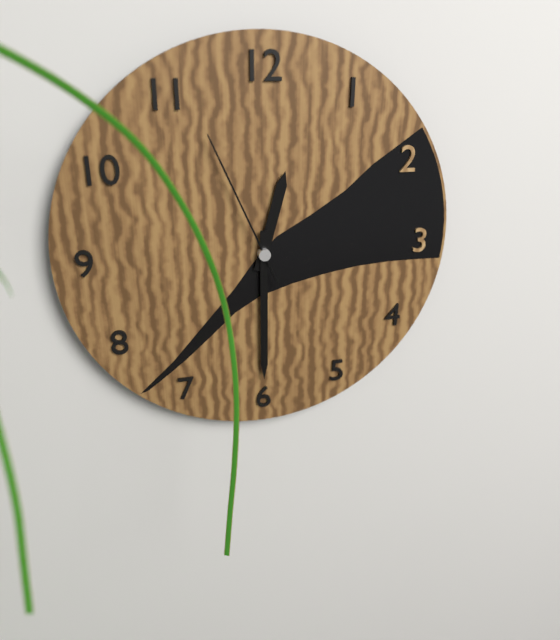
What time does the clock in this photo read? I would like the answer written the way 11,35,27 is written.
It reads 12,30,56
